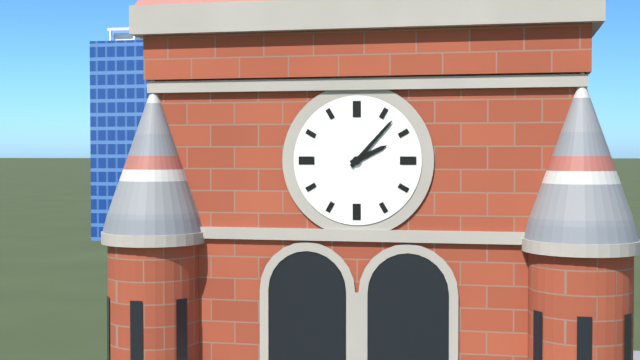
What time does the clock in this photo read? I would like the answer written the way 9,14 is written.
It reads 2,07
